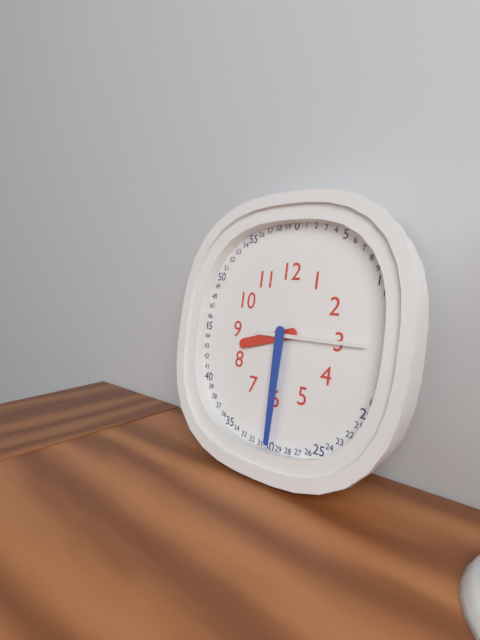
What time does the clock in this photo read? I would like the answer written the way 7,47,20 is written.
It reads 8,30,15
